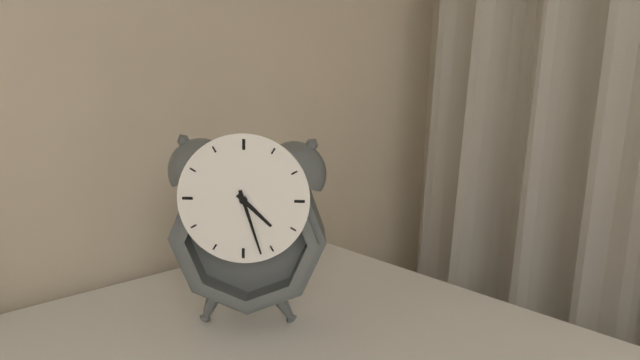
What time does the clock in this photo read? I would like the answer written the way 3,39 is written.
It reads 4,27
